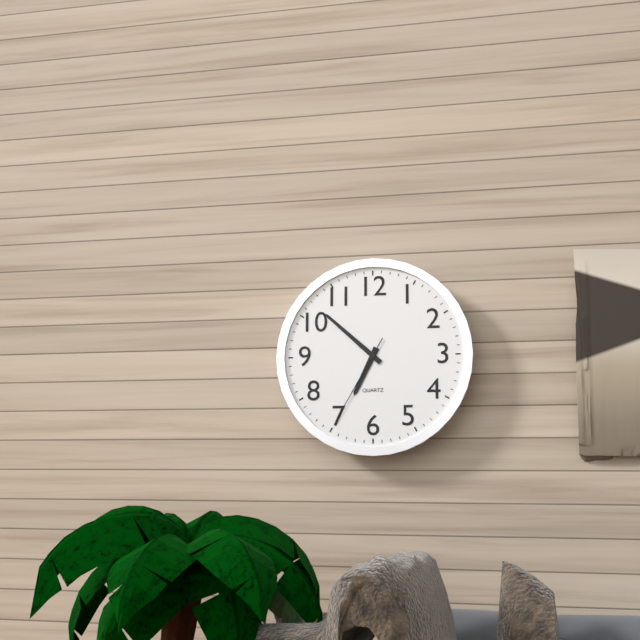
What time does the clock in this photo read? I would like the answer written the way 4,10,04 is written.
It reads 6,52,35
